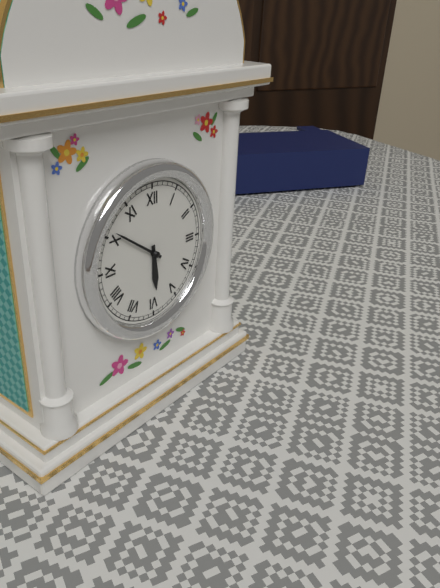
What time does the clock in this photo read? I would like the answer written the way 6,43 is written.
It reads 5,51
